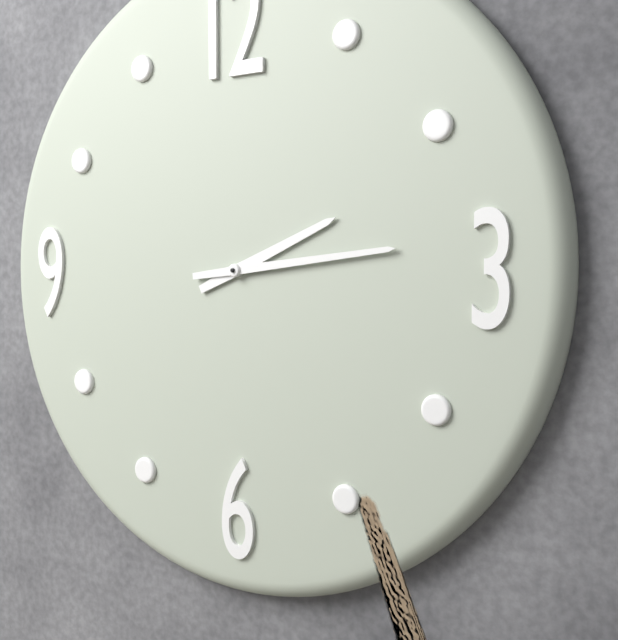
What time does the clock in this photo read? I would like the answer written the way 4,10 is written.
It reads 2,14
